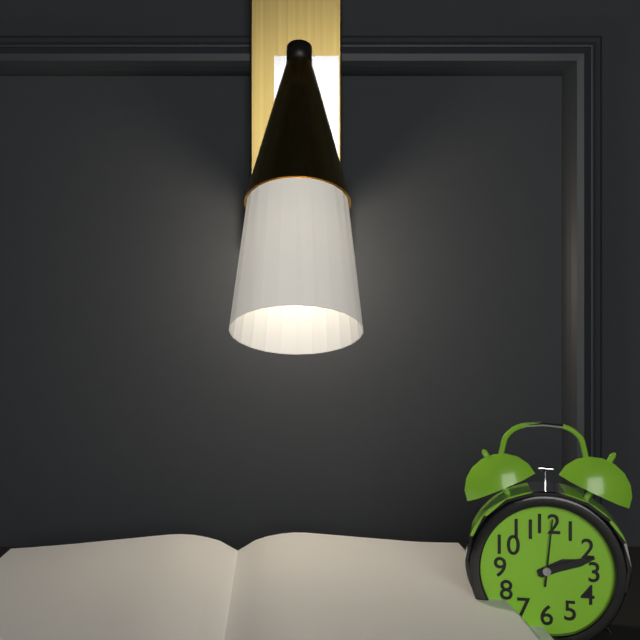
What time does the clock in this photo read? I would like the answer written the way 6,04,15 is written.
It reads 2,12,01
